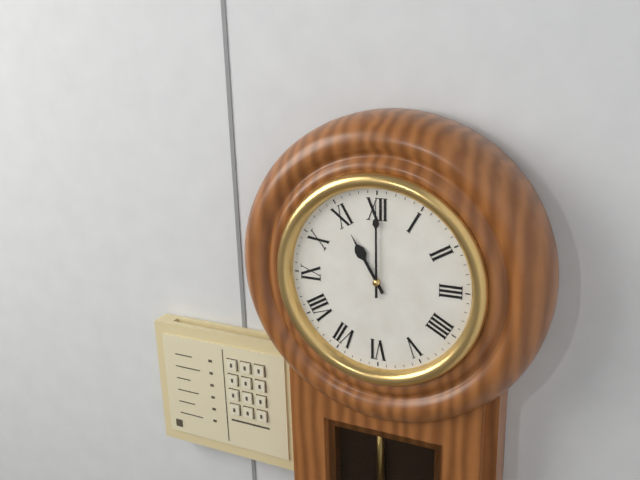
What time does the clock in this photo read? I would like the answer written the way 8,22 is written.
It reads 11,00
